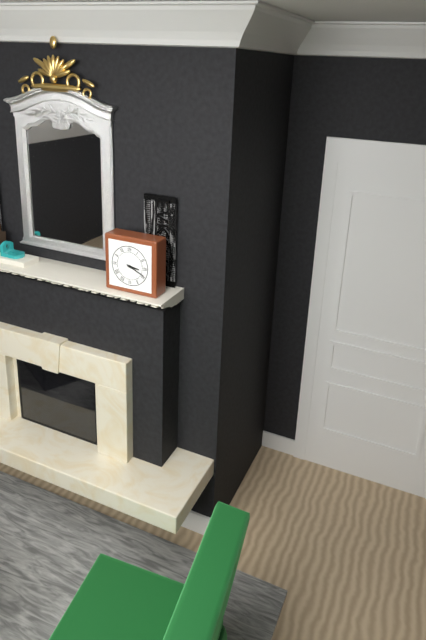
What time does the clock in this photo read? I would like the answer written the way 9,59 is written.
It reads 3,19
